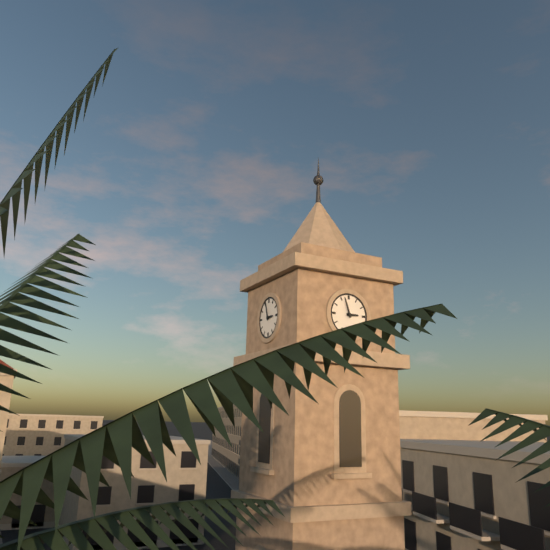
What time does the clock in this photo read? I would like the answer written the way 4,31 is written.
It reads 2,57
